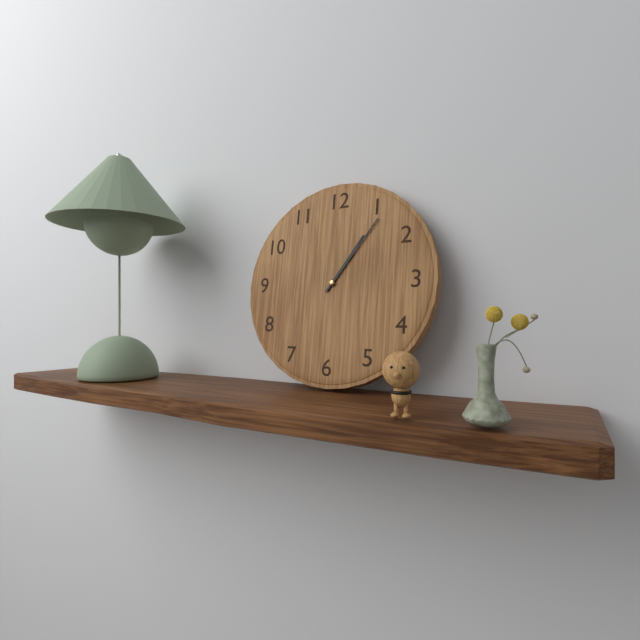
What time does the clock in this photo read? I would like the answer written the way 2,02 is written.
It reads 1,06
